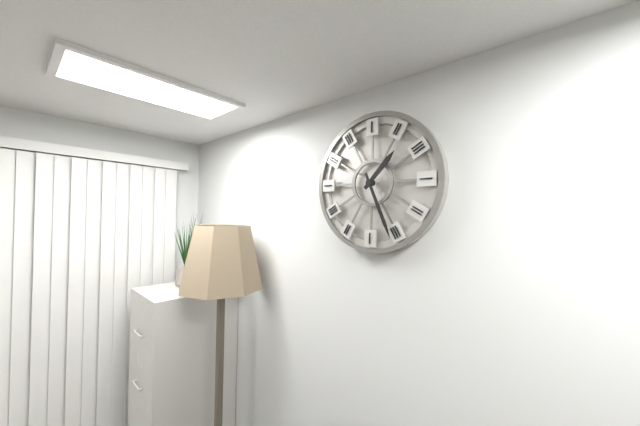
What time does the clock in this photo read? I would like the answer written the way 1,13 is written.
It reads 1,26
